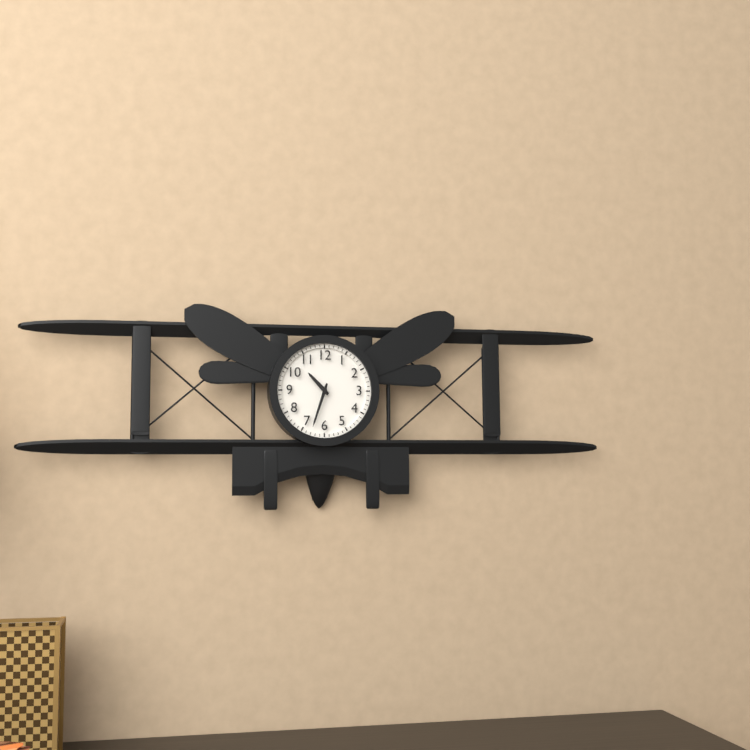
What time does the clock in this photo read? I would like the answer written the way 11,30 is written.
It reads 10,33
